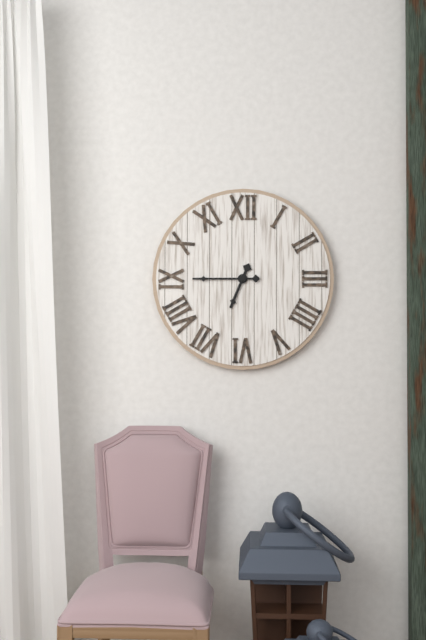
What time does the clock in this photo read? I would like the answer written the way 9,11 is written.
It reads 6,45
